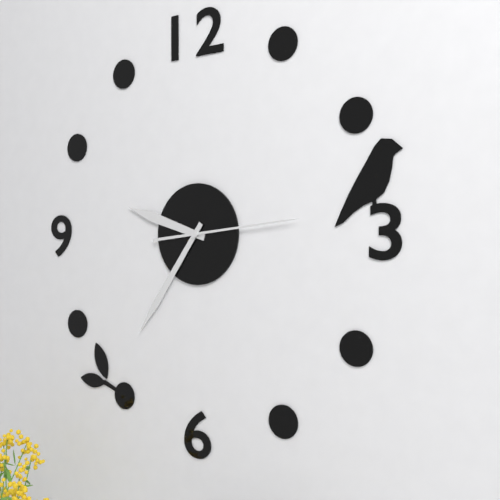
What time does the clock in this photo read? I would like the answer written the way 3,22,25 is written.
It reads 9,36,14
